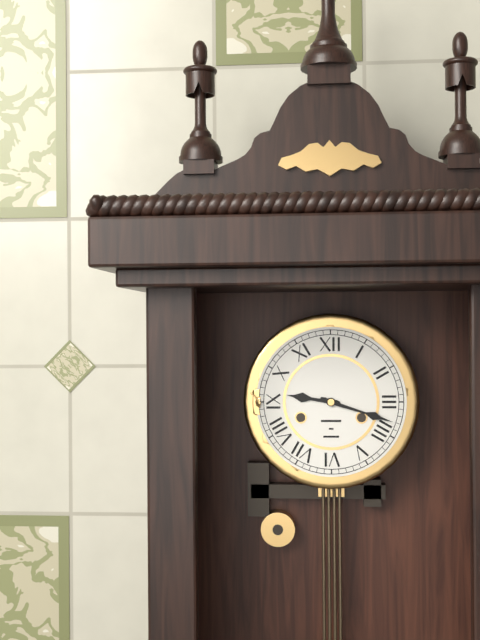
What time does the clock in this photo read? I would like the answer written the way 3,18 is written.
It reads 9,18
